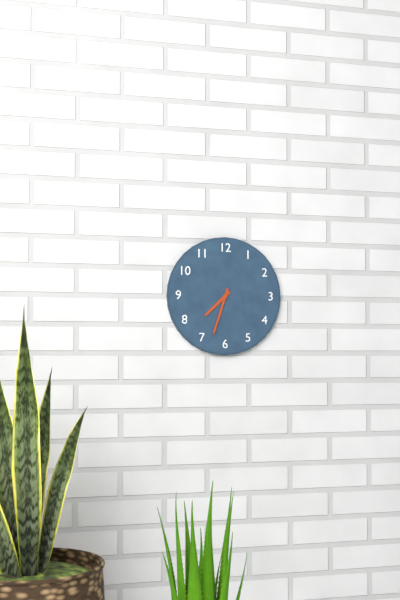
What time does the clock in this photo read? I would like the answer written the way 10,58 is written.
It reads 7,33
